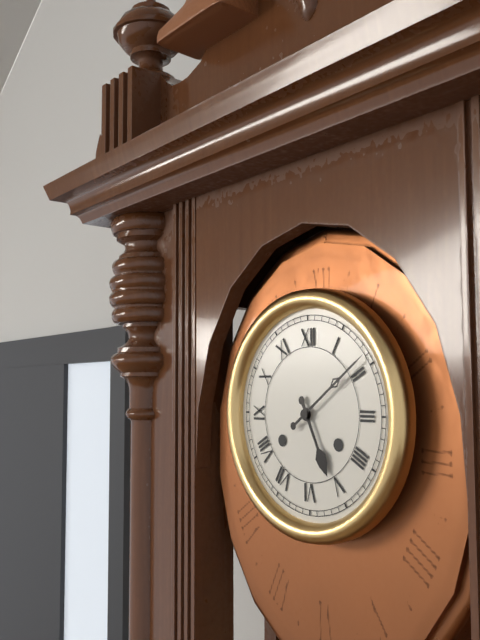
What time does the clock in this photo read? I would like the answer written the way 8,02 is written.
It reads 5,09
